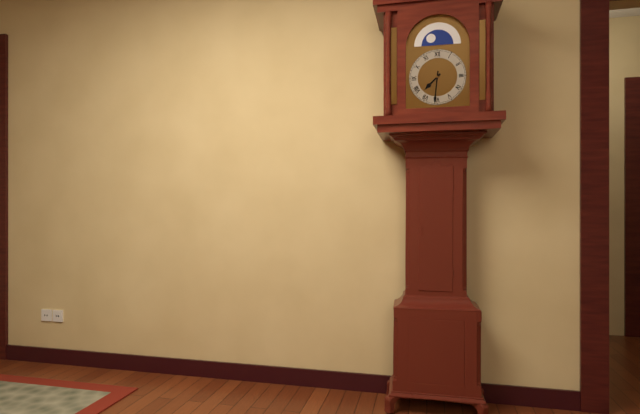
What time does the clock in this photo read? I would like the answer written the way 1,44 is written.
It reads 7,31
